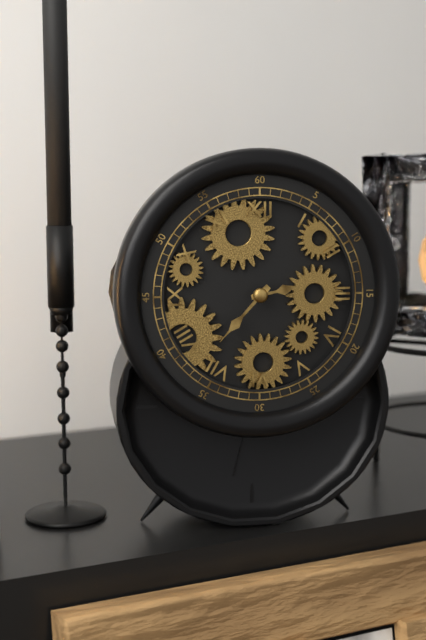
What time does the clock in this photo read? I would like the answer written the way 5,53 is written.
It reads 2,37
